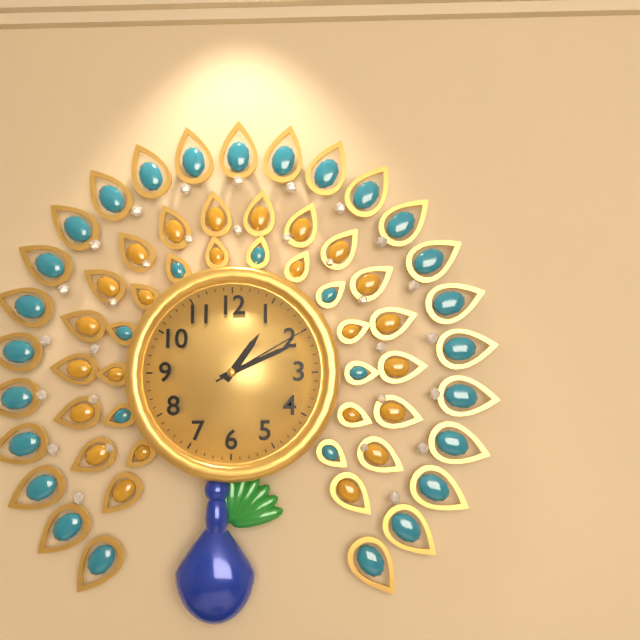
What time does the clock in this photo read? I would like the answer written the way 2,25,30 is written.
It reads 1,11,10
